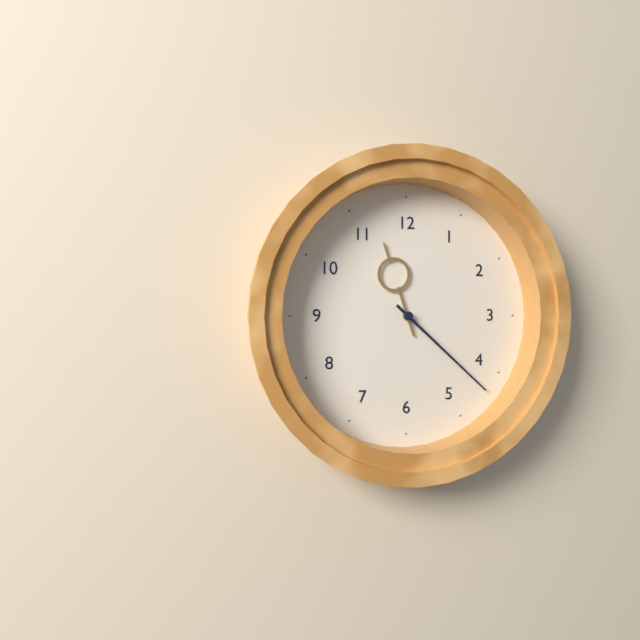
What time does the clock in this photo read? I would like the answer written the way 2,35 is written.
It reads 11,22
